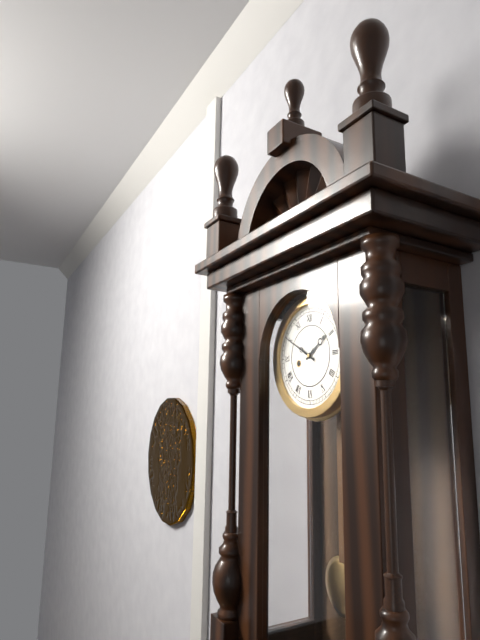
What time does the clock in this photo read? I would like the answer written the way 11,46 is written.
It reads 1,50
